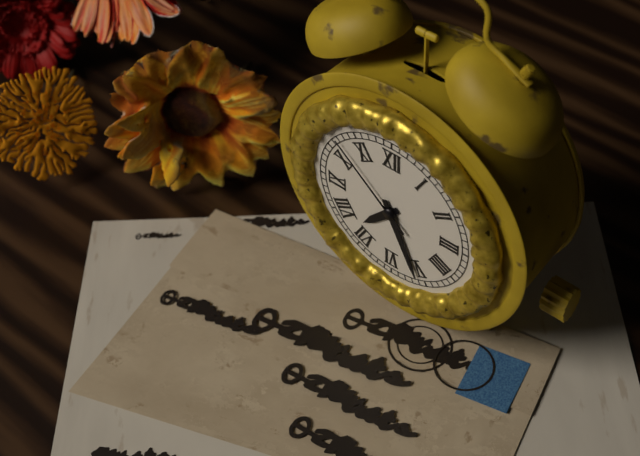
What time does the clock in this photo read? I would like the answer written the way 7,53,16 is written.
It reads 7,26,52
